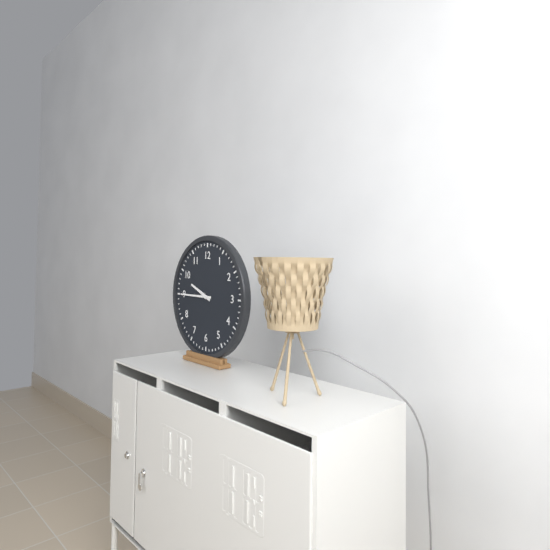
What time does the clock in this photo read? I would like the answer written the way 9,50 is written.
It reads 9,45
